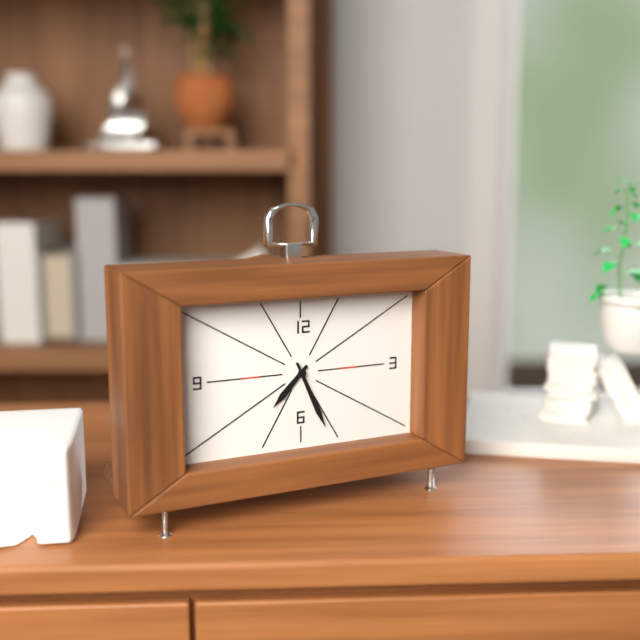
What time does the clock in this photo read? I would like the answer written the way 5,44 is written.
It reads 7,26
